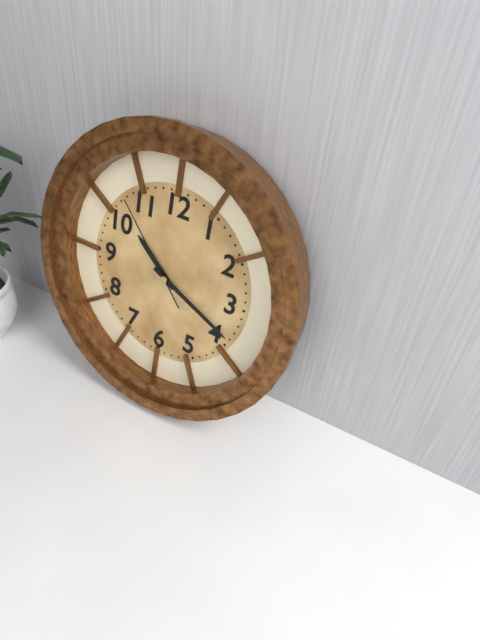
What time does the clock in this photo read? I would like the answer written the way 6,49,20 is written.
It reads 10,19,53
